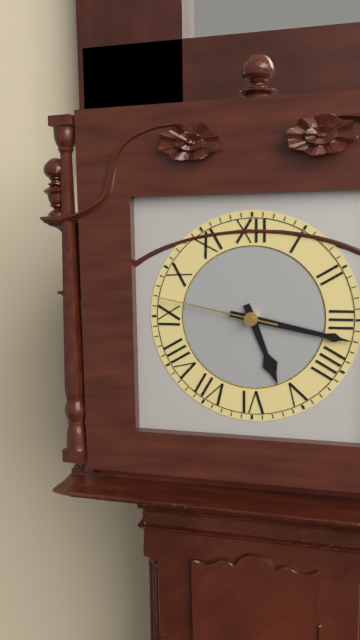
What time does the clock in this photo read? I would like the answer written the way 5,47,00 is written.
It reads 5,17,47
